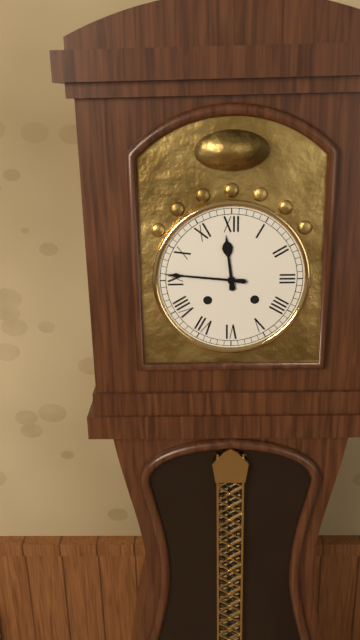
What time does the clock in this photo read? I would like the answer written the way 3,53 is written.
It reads 11,46
